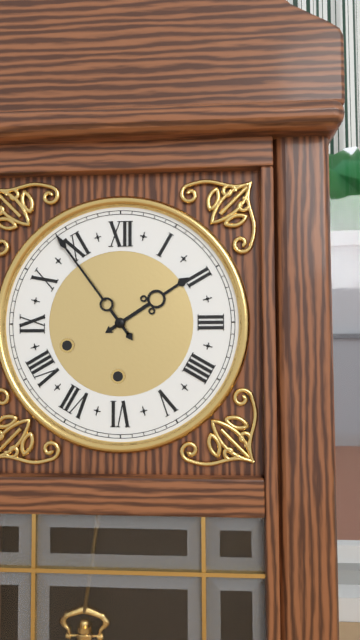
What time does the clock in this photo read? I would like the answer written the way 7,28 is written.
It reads 1,54
